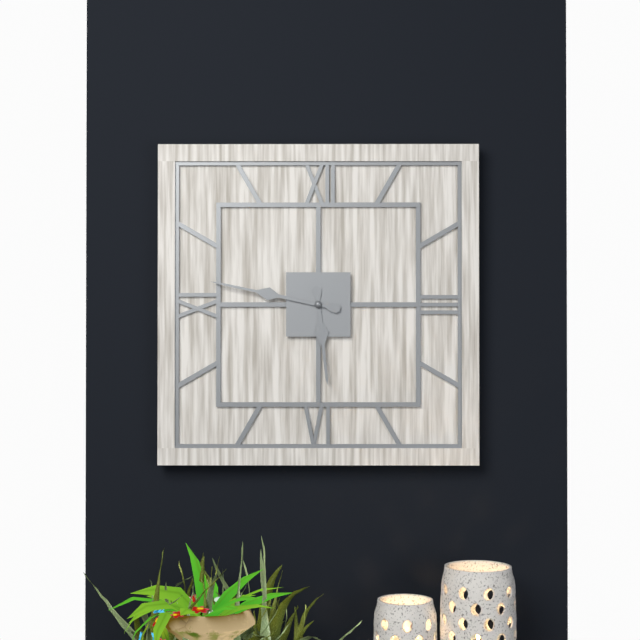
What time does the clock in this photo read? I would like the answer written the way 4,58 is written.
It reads 5,47
